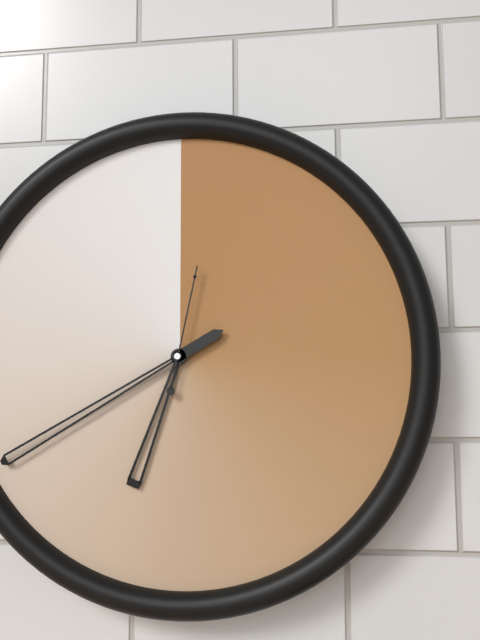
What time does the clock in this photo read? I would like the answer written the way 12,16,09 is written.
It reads 6,40,02
